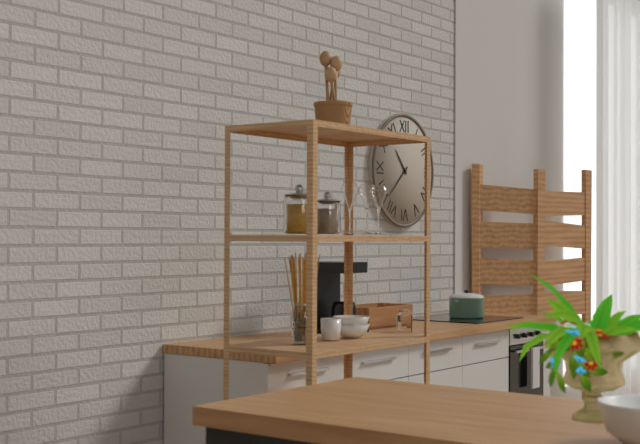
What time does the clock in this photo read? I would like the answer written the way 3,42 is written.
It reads 10,38
